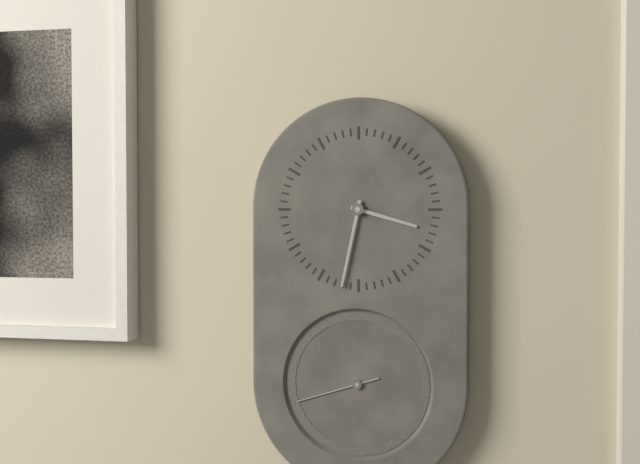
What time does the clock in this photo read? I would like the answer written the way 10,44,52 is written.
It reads 3,32,42
